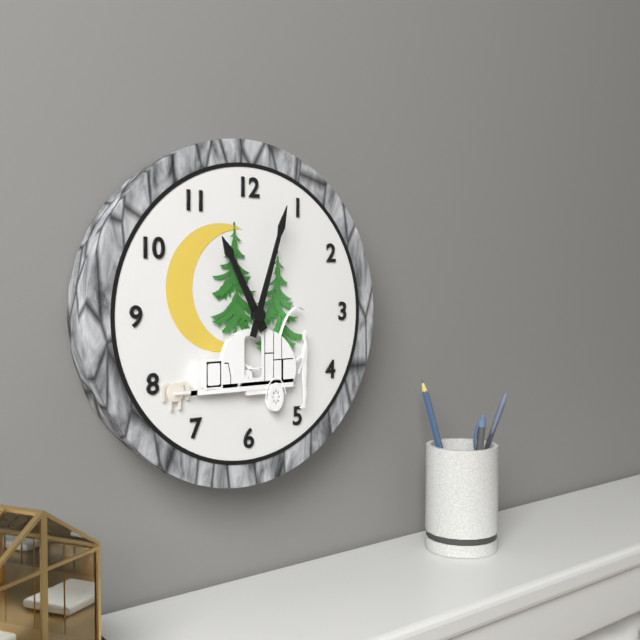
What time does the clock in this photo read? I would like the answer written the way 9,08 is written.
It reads 11,03
